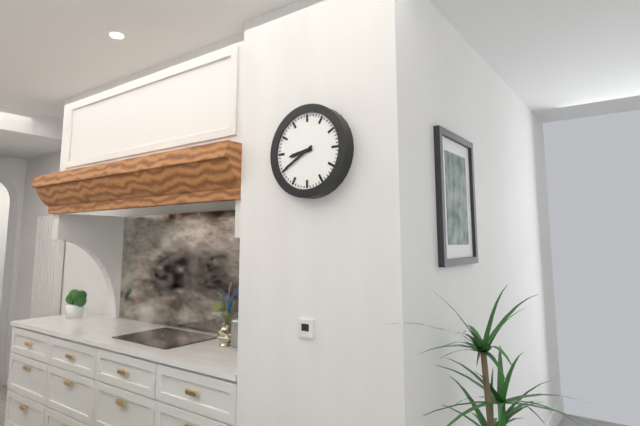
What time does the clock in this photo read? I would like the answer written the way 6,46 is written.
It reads 8,40
